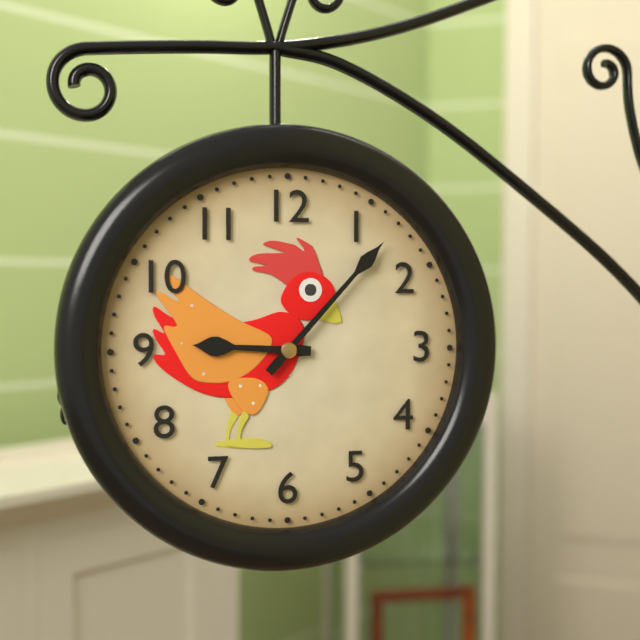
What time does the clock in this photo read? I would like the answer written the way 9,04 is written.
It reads 9,07
